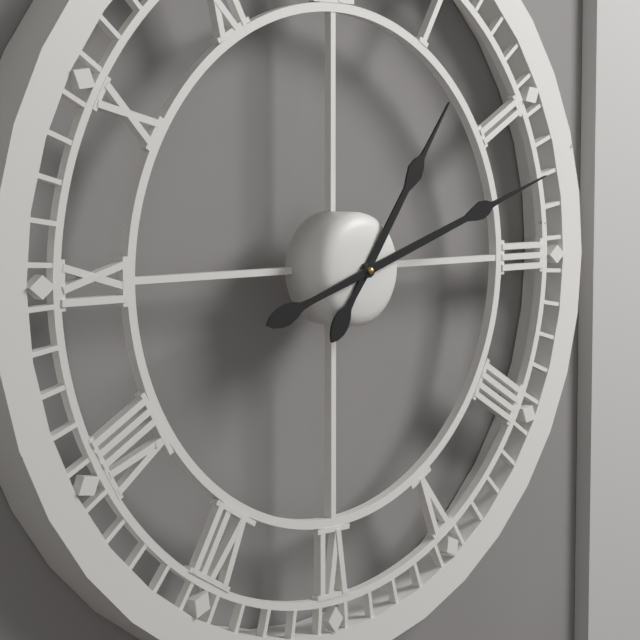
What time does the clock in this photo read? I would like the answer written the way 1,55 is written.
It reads 1,12
